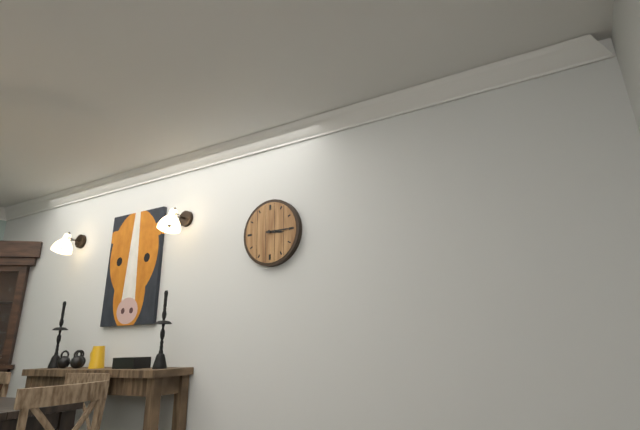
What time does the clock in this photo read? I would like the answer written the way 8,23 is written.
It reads 3,15
